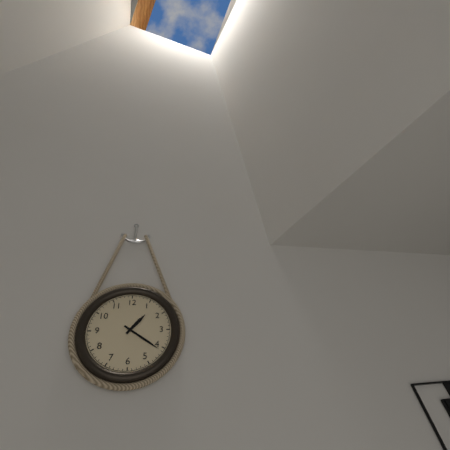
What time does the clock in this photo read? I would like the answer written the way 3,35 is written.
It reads 1,21
